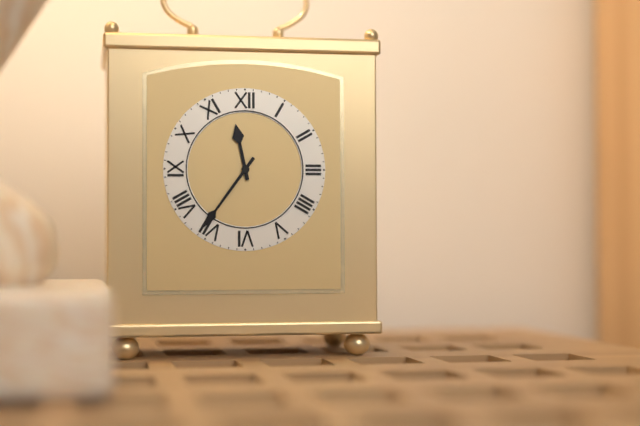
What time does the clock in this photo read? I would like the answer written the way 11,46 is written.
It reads 11,36
